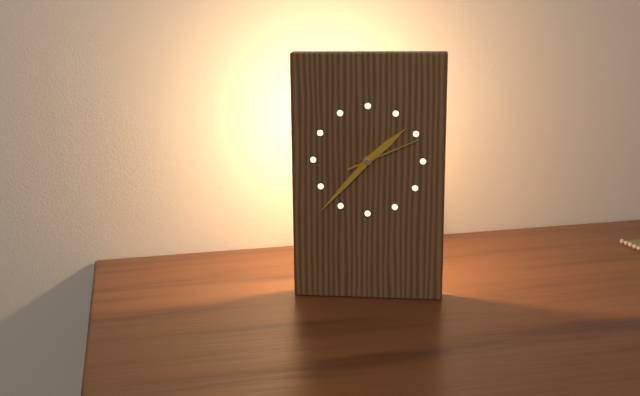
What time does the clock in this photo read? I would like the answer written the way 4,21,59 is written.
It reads 1,37,11
